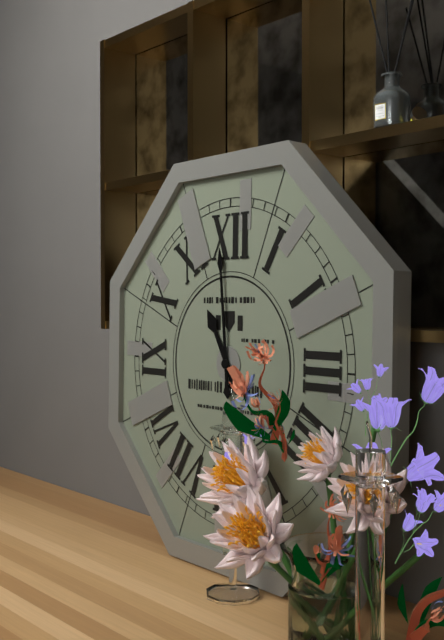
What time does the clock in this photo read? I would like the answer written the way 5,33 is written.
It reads 10,59
